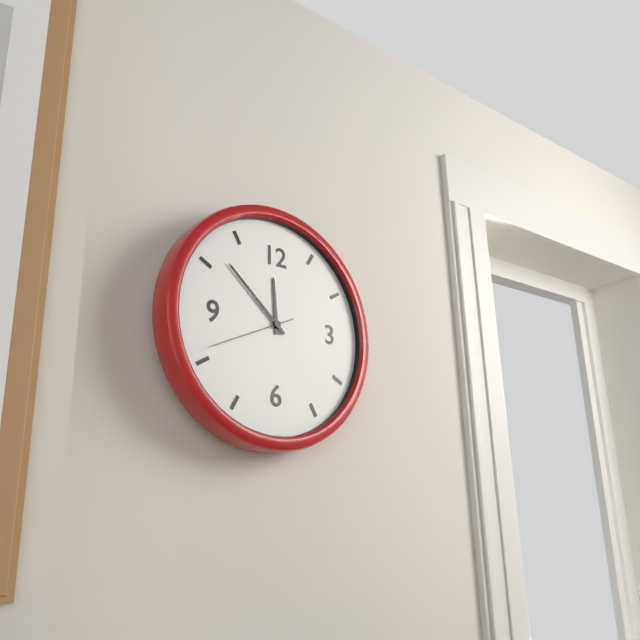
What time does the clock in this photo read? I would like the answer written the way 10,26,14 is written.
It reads 11,52,41
